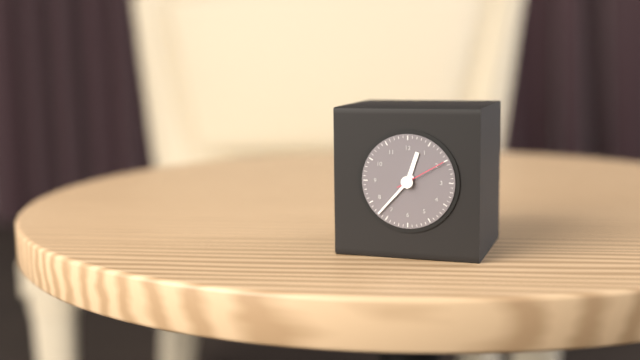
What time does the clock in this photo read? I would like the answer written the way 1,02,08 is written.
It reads 12,37,10
